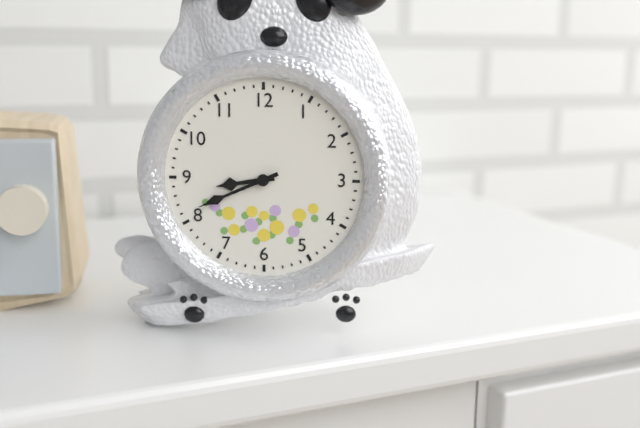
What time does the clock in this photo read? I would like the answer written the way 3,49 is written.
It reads 8,41
